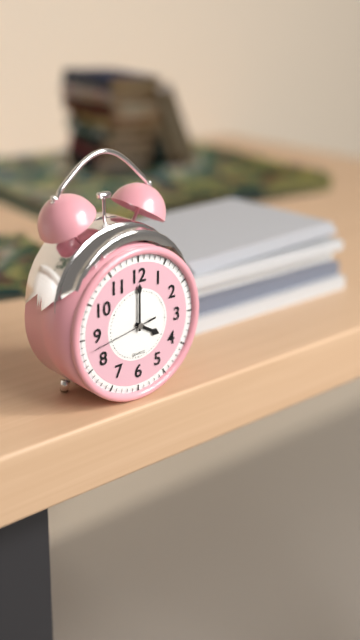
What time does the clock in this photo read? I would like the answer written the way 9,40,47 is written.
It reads 4,00,43
